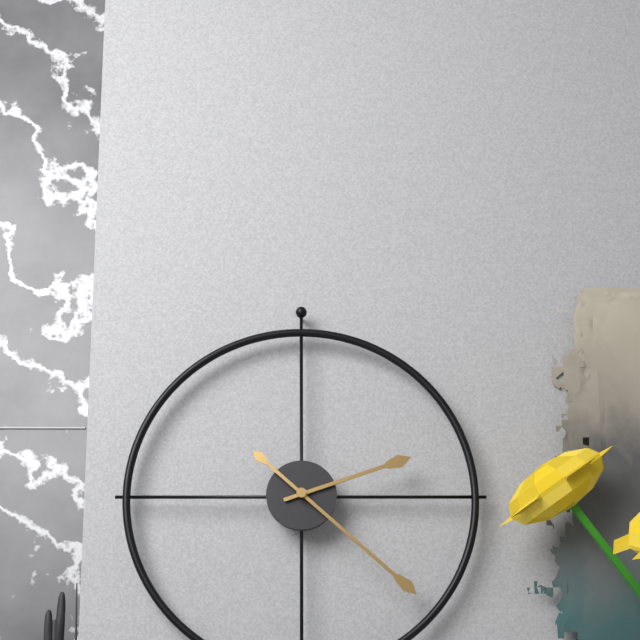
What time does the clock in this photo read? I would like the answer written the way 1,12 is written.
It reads 2,22
